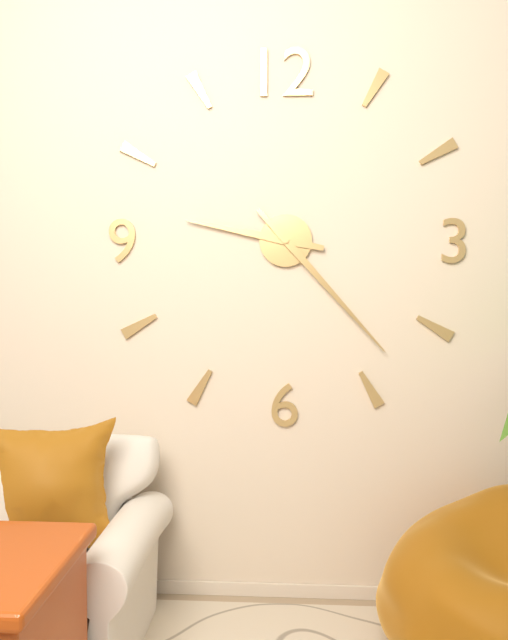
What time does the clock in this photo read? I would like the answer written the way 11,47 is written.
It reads 9,23
